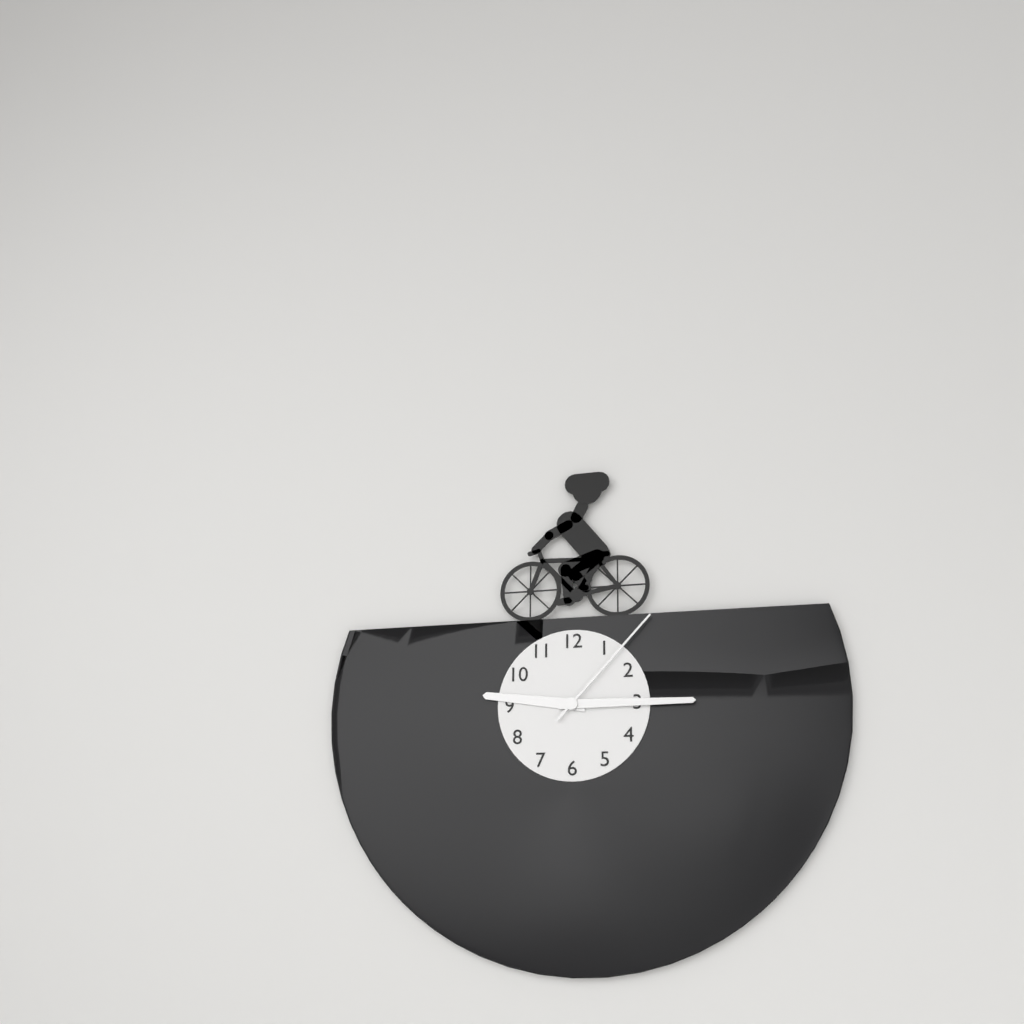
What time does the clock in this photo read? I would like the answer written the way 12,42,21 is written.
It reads 9,15,07
